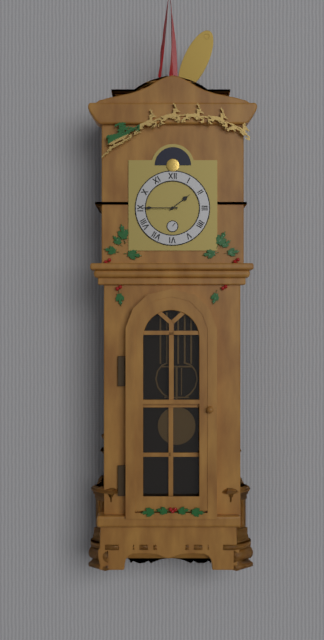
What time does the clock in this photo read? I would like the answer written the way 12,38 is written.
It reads 1,45
